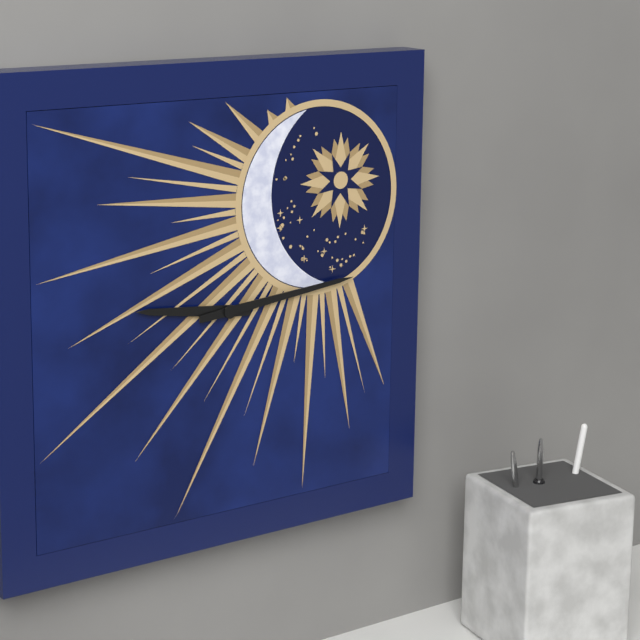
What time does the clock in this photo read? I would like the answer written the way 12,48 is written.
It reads 9,14
